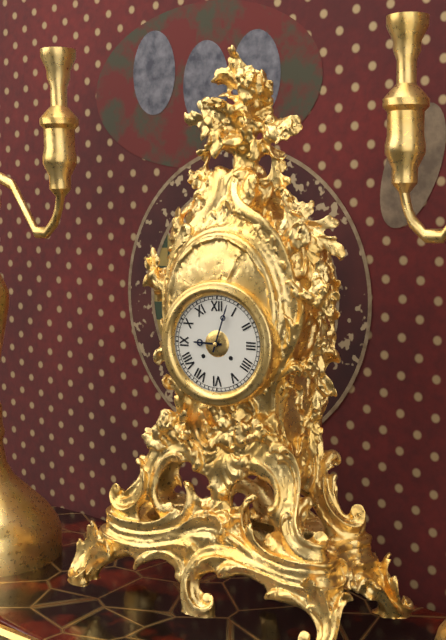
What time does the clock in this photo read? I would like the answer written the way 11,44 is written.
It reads 9,03
